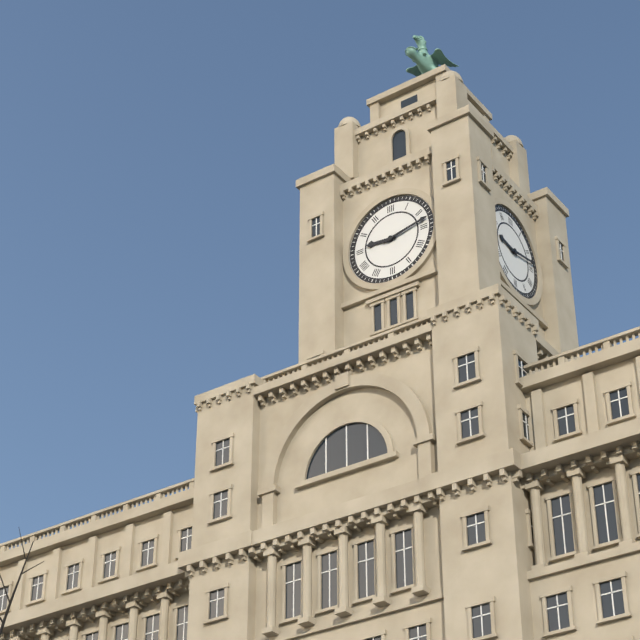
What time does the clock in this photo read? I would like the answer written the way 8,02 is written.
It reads 9,13
